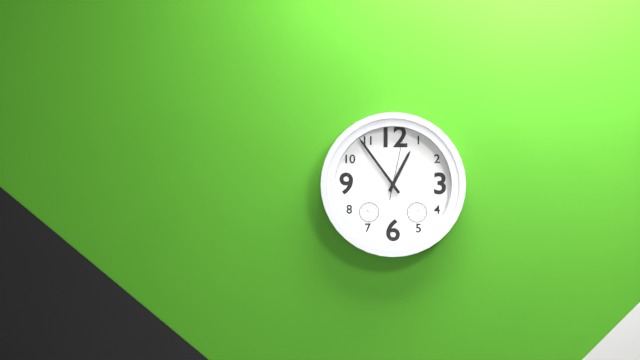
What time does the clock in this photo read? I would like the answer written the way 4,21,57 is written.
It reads 12,54,02
